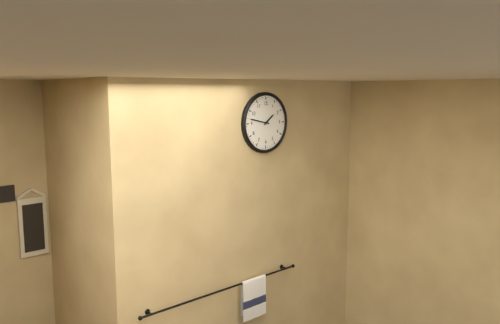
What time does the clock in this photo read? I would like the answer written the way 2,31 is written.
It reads 1,47
